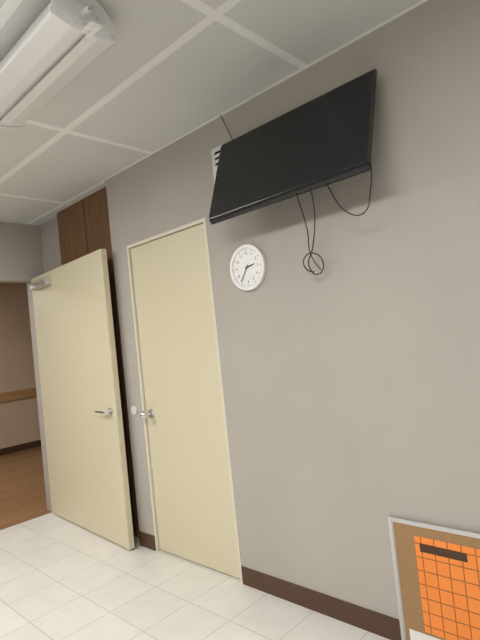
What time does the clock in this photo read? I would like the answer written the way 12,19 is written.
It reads 2,36
